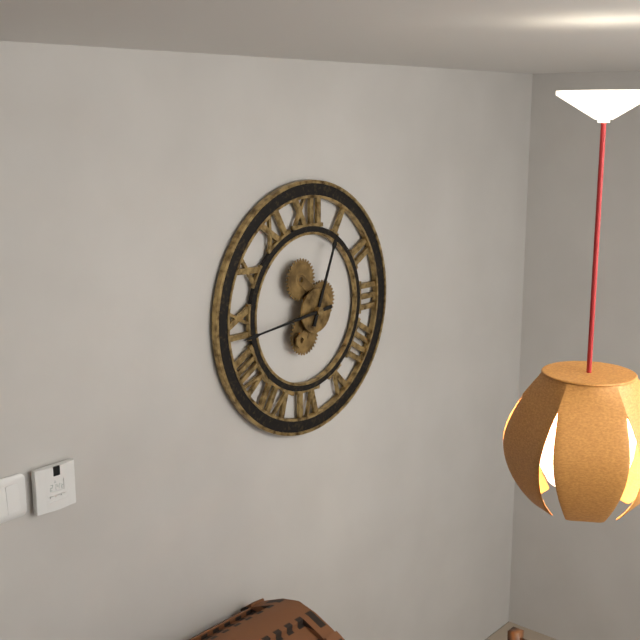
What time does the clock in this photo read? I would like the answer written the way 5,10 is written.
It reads 12,44
